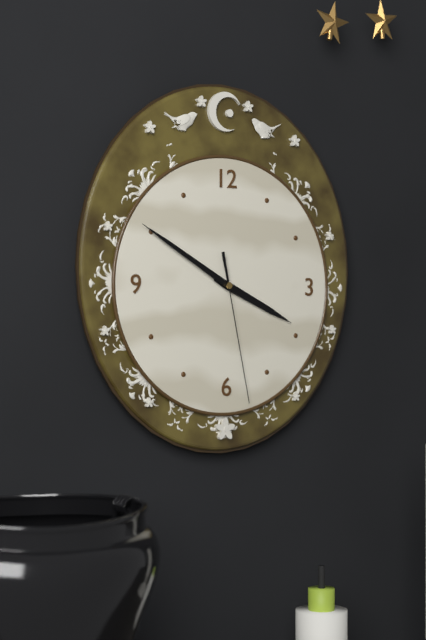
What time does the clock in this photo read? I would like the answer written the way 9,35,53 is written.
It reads 3,50,28
